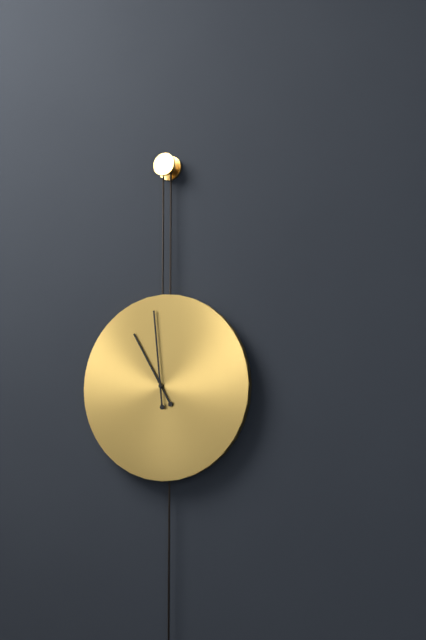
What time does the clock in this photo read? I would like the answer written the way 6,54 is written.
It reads 10,59
